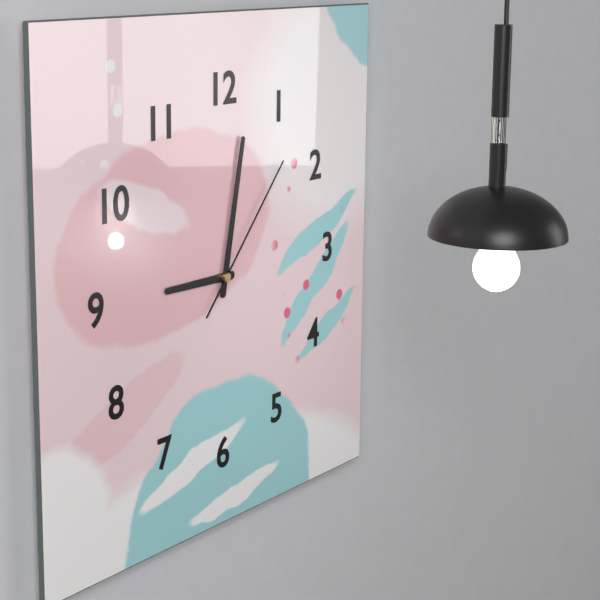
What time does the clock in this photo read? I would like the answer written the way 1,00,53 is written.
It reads 9,02,07
